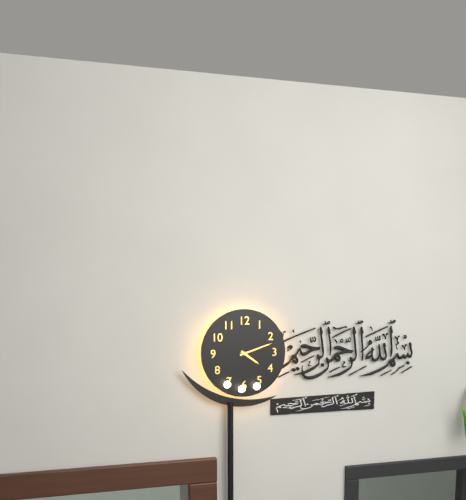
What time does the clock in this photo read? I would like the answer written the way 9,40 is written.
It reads 4,12
